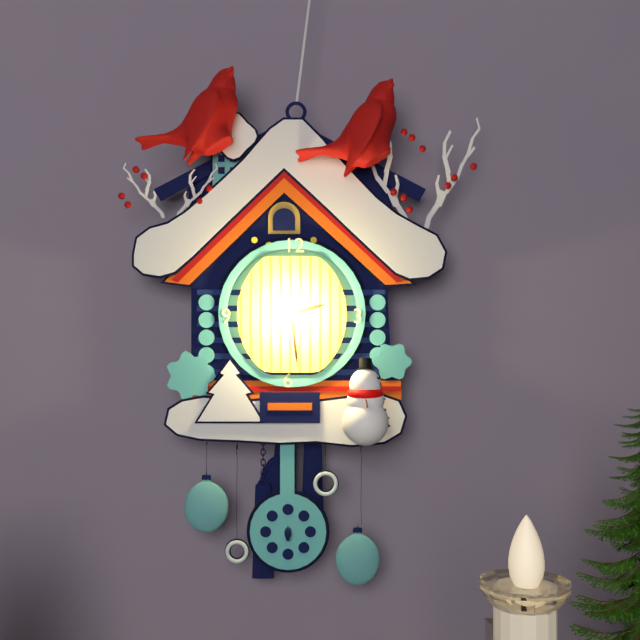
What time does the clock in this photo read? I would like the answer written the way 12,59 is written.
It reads 2,29
